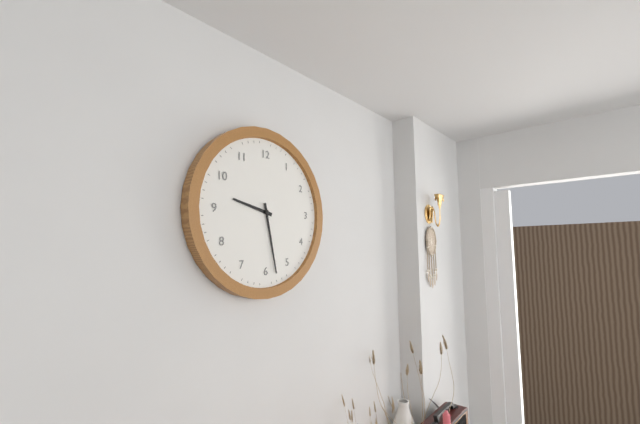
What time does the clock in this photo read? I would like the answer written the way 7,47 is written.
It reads 9,28
